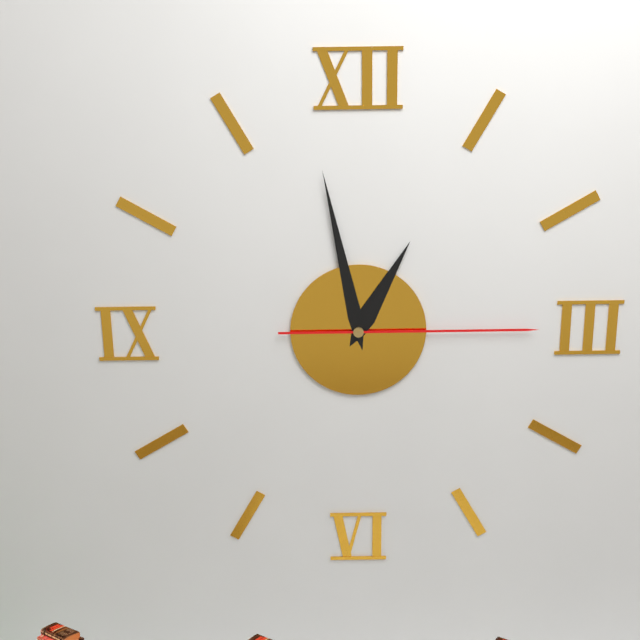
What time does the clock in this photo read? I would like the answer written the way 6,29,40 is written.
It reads 12,58,15
